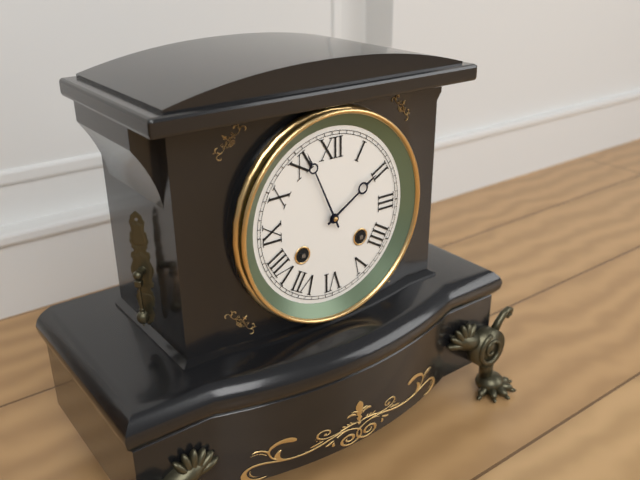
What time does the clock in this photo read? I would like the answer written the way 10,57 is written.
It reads 1,56
